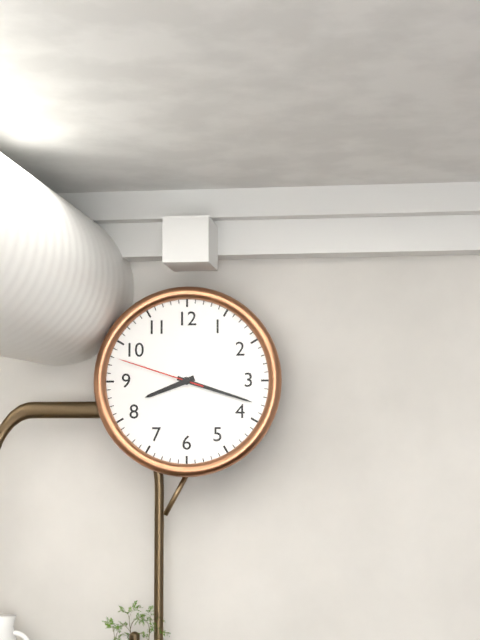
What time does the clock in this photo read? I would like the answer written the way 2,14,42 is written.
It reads 8,18,48
